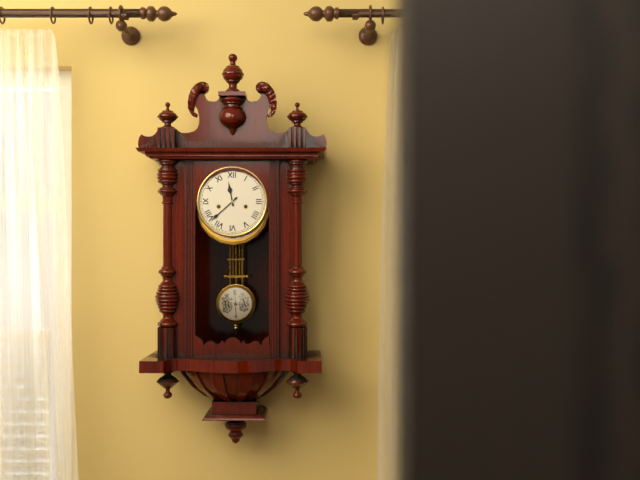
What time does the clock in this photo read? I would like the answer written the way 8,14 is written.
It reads 11,38
